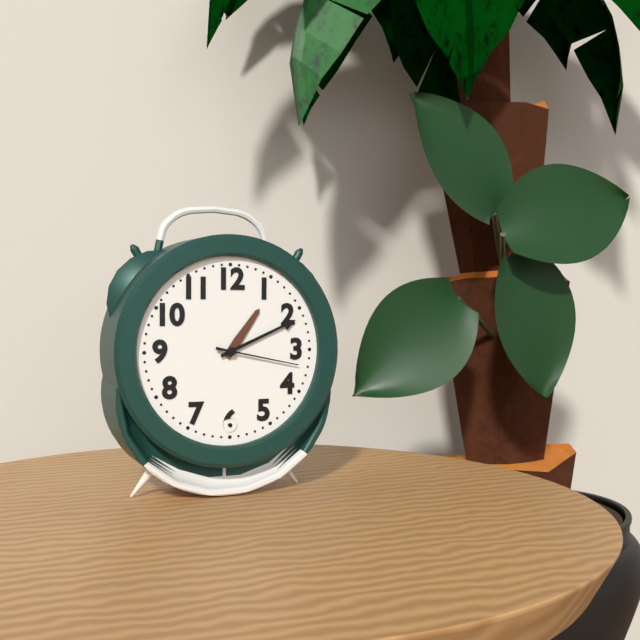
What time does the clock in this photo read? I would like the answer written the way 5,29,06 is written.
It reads 1,11,17
